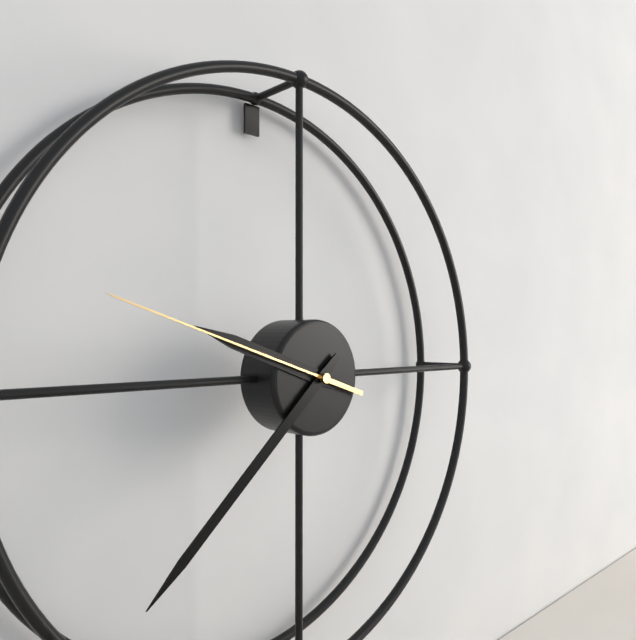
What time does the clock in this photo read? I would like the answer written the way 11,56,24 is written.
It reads 9,38,48
